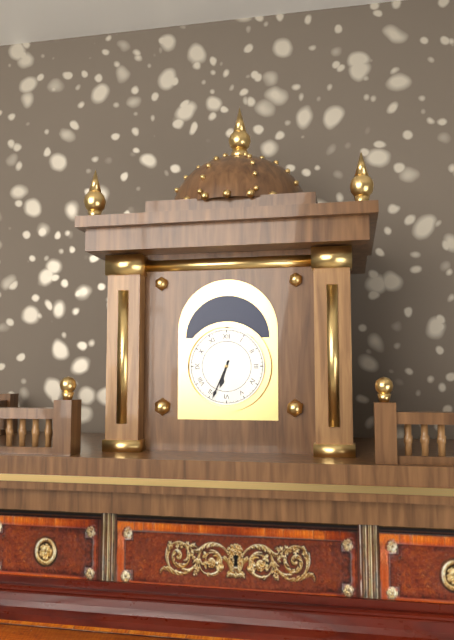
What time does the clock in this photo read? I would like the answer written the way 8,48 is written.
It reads 6,34
